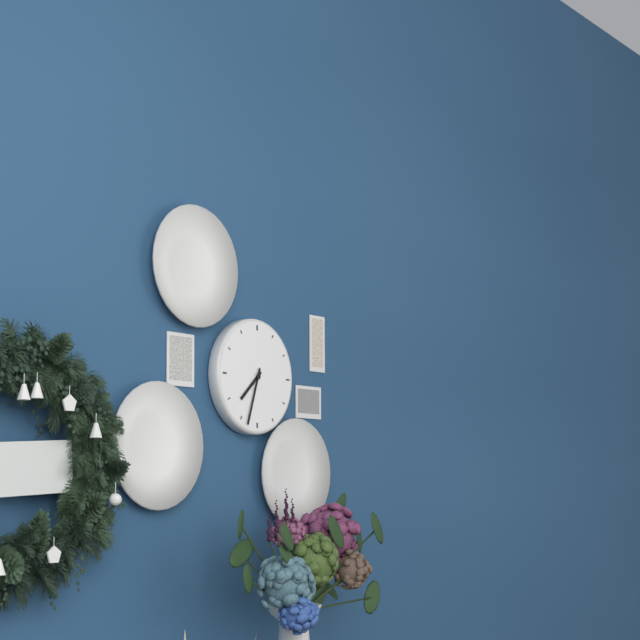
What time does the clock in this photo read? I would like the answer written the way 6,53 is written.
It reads 7,33
